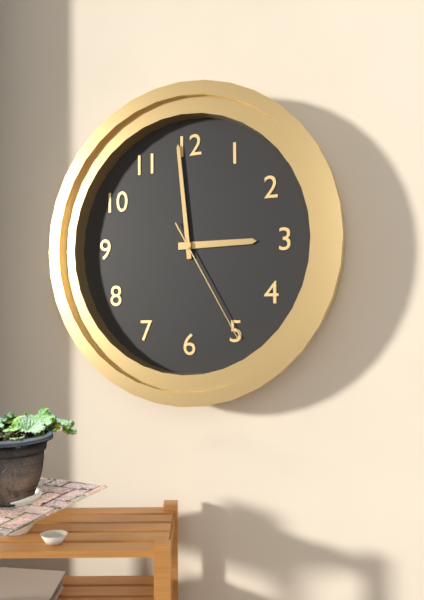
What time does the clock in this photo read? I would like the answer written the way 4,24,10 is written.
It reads 2,59,25
